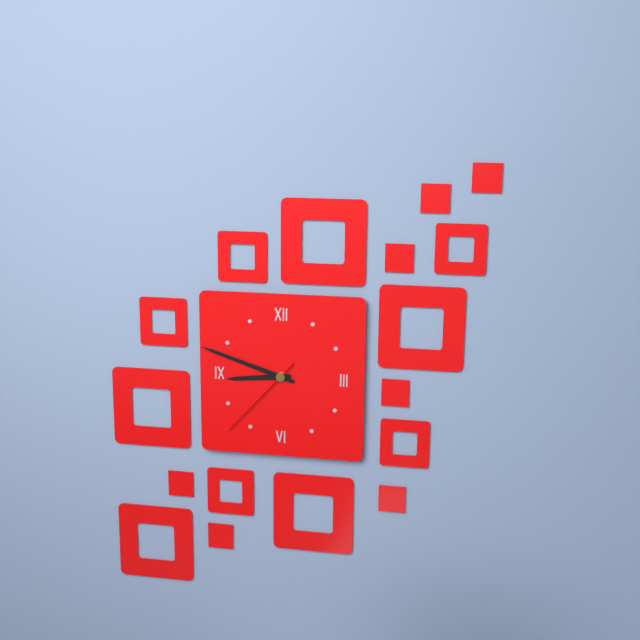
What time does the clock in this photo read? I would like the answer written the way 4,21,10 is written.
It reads 8,48,37
